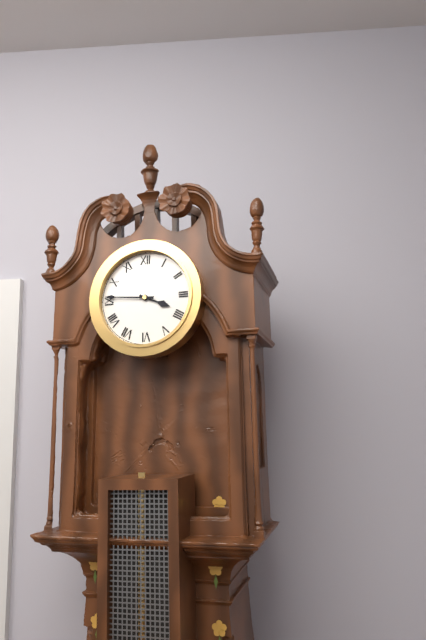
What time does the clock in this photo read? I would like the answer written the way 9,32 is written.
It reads 3,46
